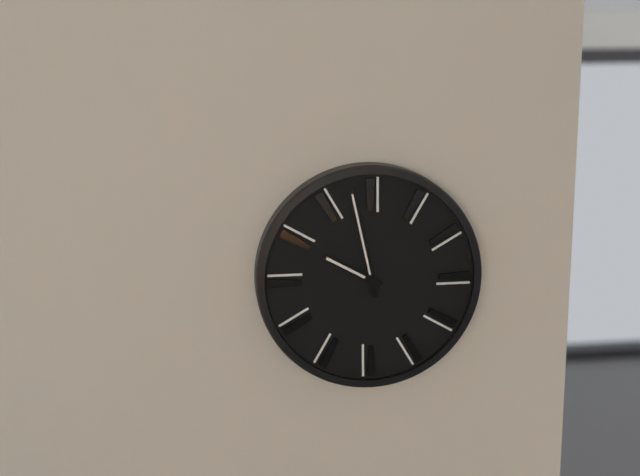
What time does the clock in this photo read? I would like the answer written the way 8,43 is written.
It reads 9,58
